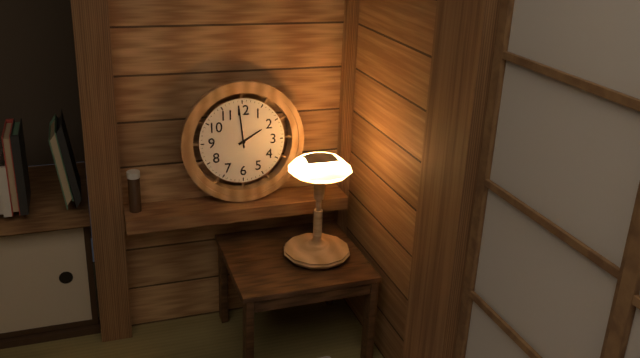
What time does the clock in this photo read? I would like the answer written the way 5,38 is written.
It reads 1,59
